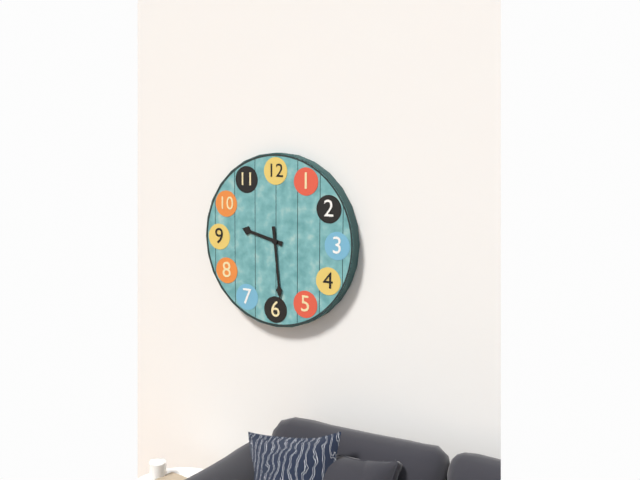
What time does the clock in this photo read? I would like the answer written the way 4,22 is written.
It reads 9,29
